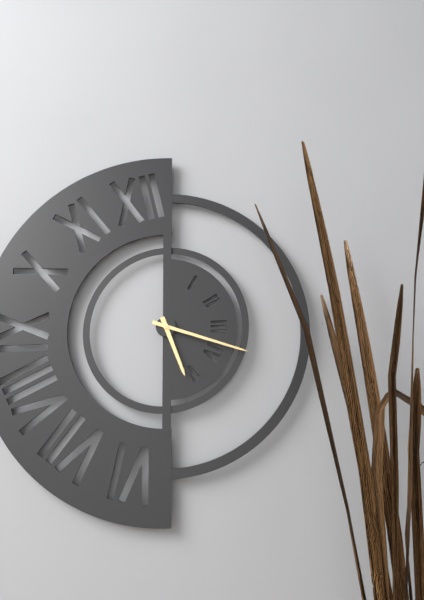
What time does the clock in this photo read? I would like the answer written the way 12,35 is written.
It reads 5,18
